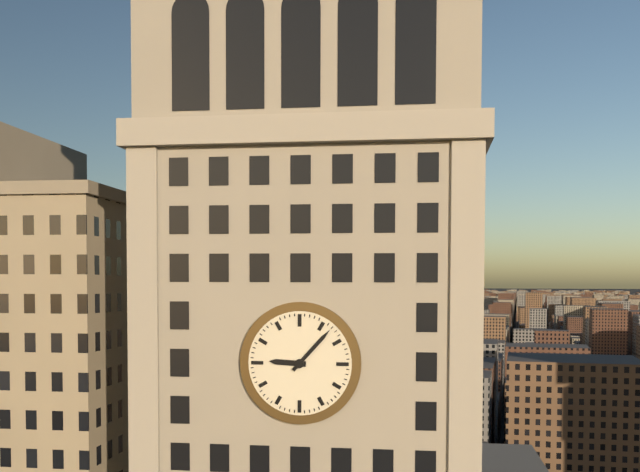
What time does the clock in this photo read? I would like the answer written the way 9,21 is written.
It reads 9,07
